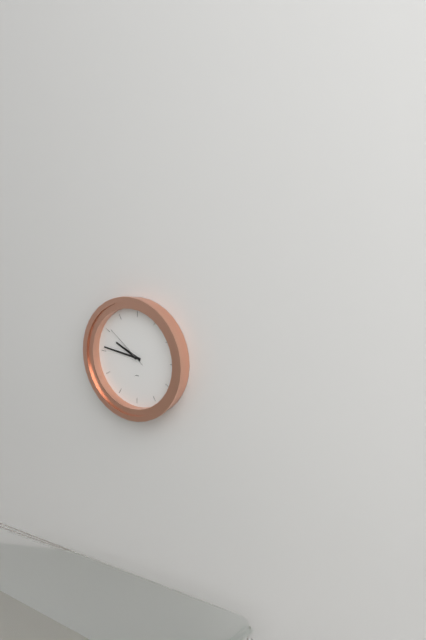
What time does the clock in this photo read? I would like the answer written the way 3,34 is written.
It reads 9,46
